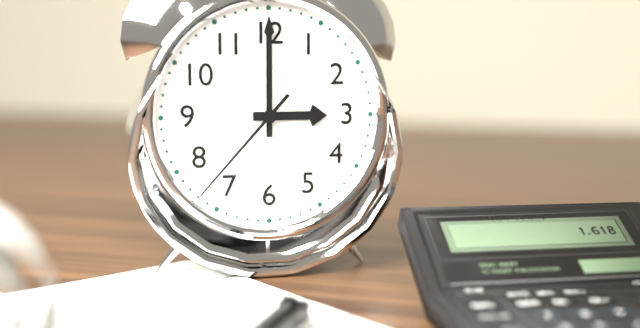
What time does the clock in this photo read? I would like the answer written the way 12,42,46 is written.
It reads 3,00,37
